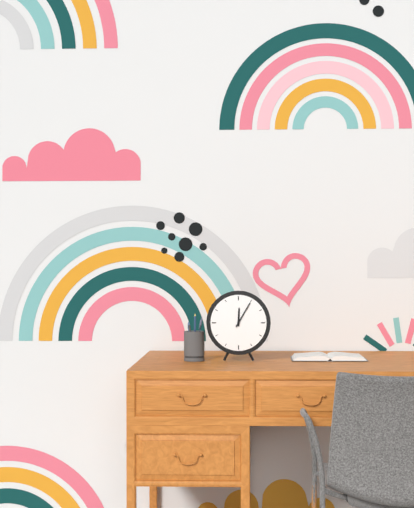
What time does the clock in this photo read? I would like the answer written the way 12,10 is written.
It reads 12,05
